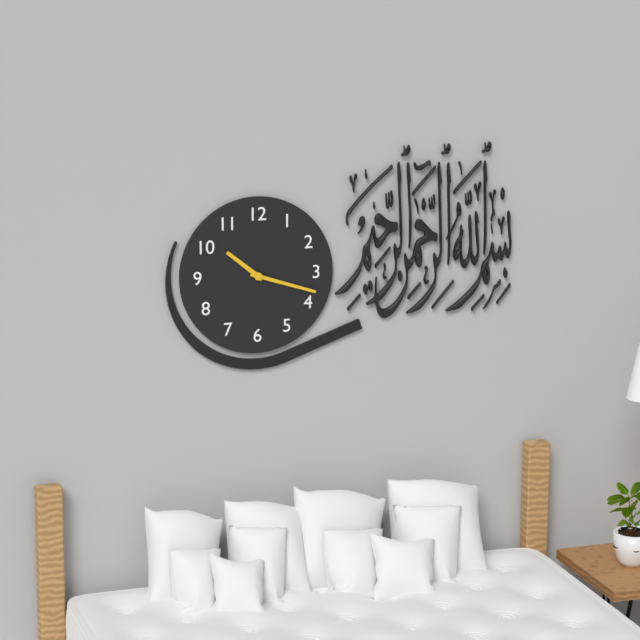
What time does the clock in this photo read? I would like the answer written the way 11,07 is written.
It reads 10,18
